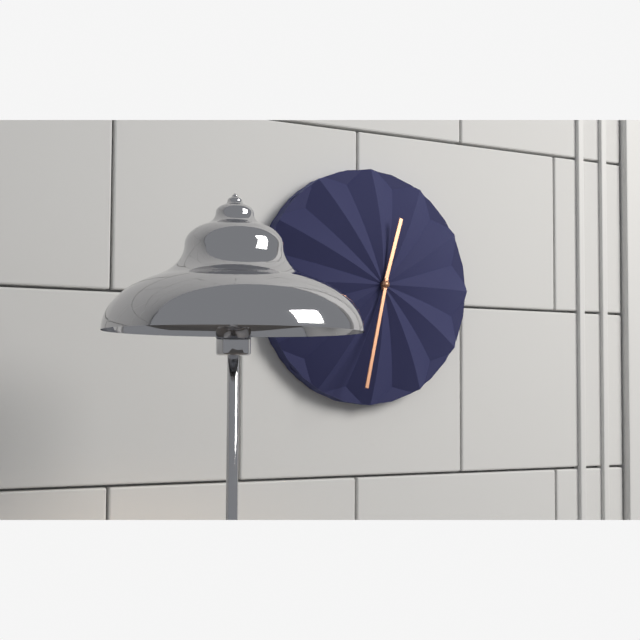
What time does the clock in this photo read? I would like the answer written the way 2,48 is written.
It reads 12,32
